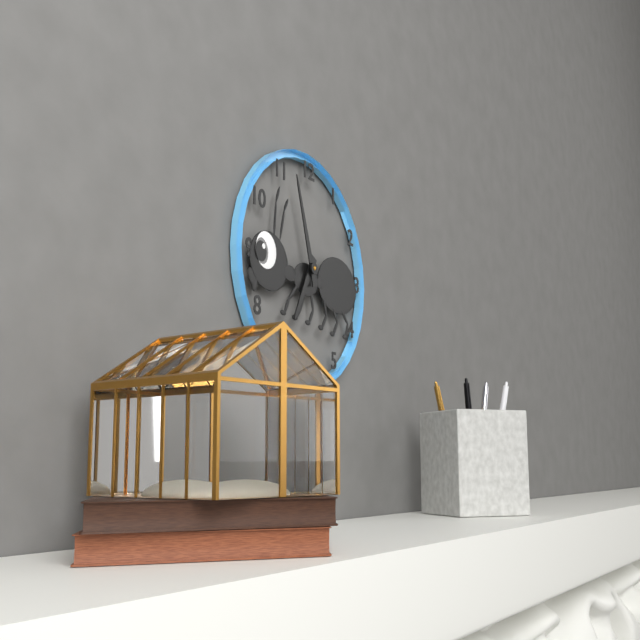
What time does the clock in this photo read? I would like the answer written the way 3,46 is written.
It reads 6,57
